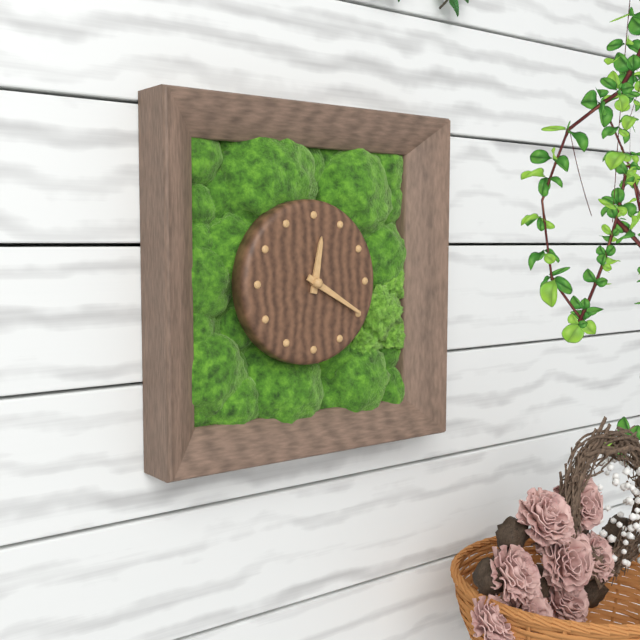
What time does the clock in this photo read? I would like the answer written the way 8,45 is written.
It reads 12,20
